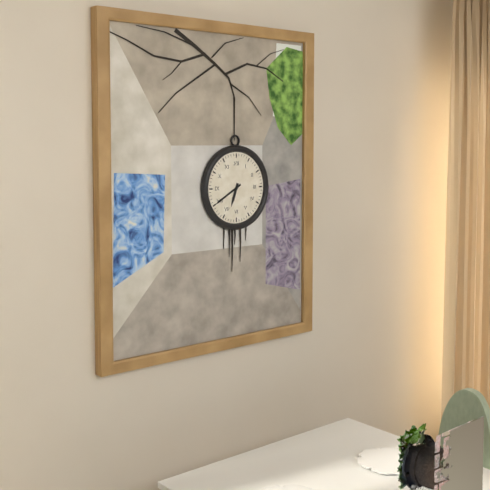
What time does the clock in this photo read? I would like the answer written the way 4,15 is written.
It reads 6,40
